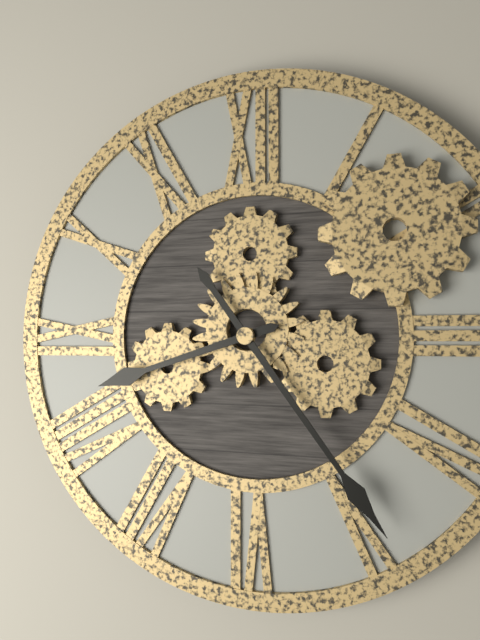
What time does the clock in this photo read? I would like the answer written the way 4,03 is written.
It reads 8,24
